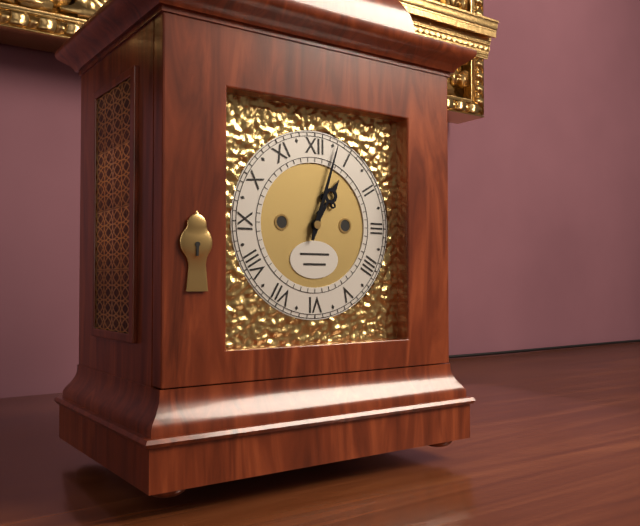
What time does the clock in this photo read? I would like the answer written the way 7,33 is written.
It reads 1,03
